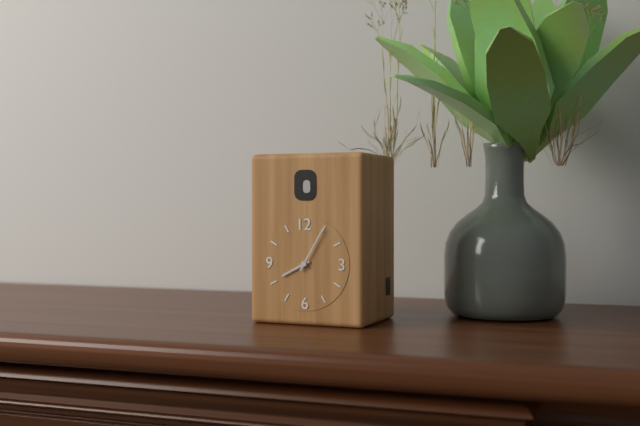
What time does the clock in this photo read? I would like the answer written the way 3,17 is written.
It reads 8,05
